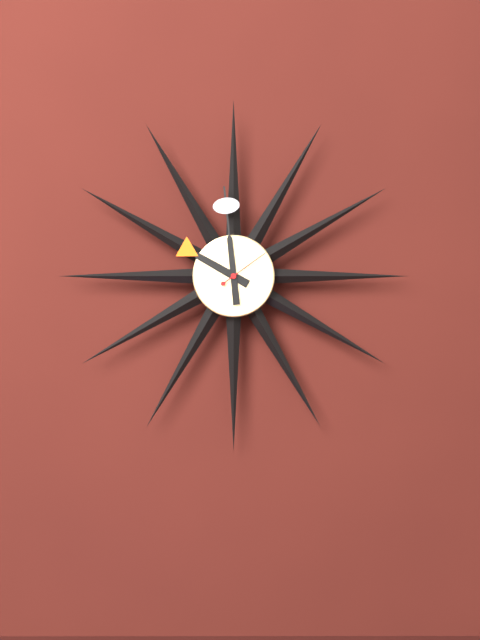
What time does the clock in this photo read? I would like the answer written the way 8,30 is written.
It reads 9,59
